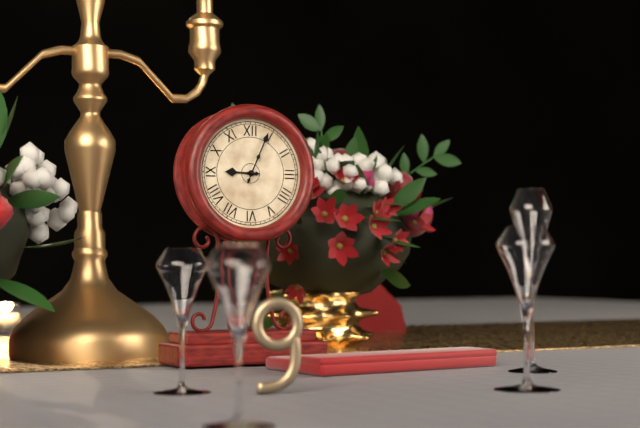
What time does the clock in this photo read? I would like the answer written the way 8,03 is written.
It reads 9,04
